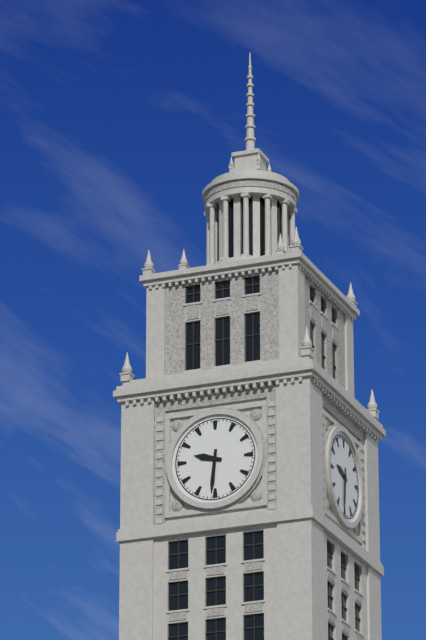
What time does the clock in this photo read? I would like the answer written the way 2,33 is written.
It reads 9,31
